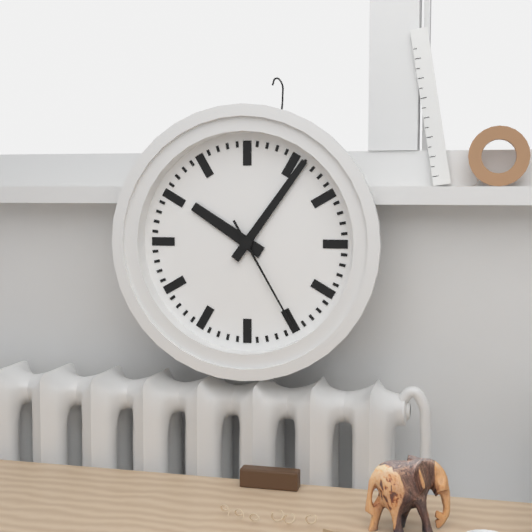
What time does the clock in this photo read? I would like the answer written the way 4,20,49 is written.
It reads 10,06,25
